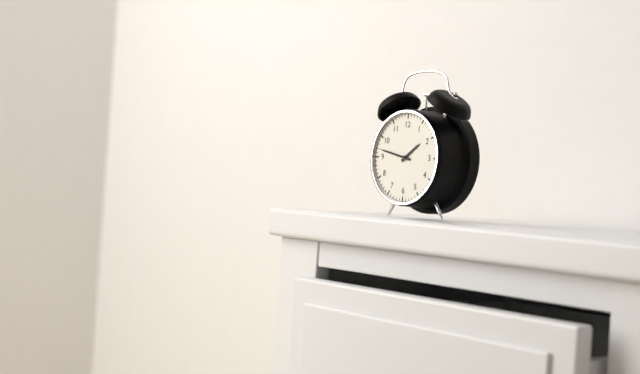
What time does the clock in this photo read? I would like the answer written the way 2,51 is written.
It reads 1,47
